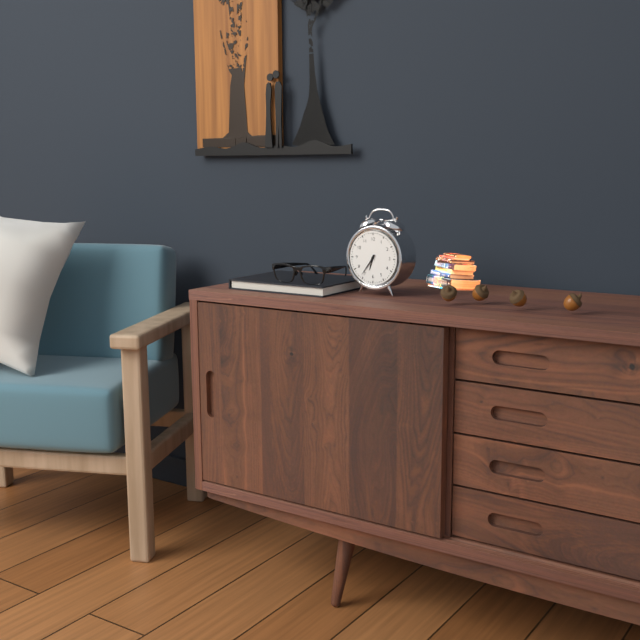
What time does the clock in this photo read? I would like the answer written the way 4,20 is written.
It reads 6,36
